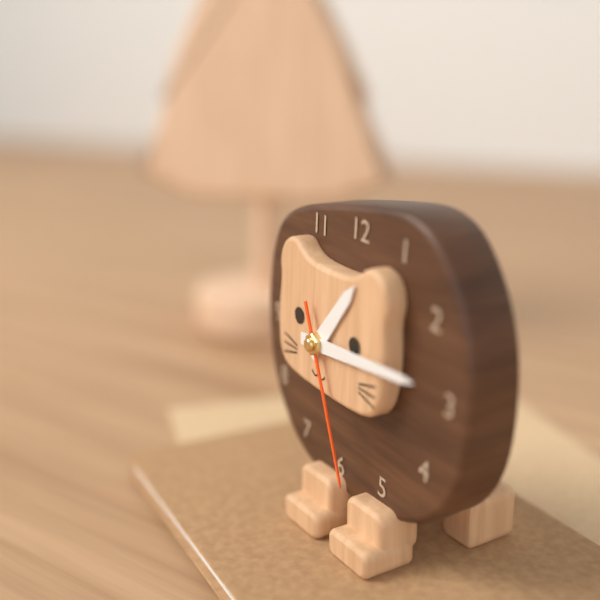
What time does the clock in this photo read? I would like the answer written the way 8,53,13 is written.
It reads 1,14,26
